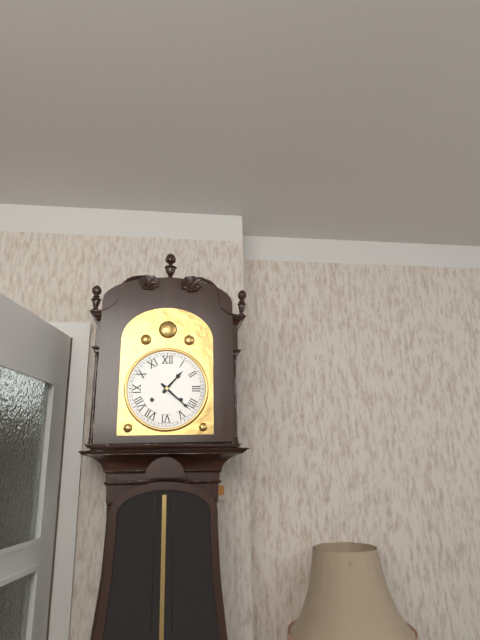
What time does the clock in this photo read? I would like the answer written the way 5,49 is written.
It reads 1,22
